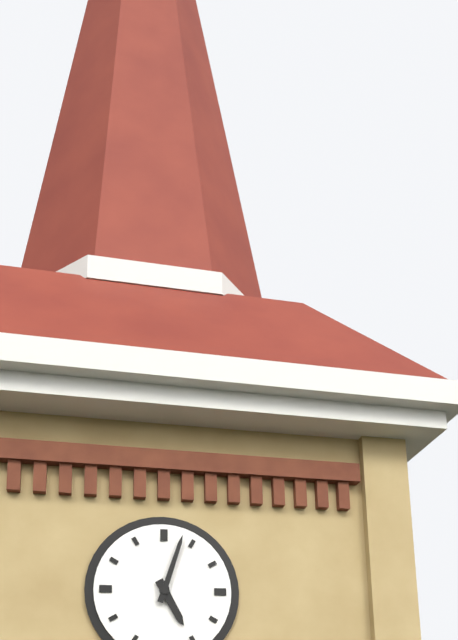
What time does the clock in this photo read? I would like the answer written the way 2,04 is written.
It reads 5,03
